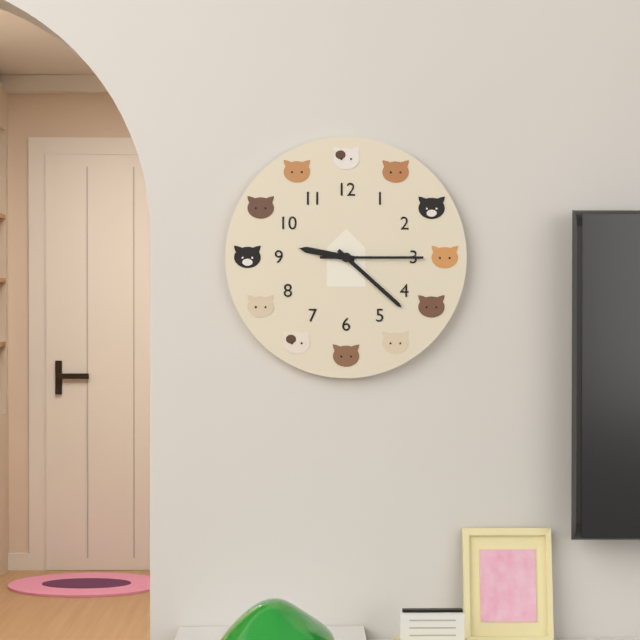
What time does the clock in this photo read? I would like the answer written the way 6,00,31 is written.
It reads 9,22,15
